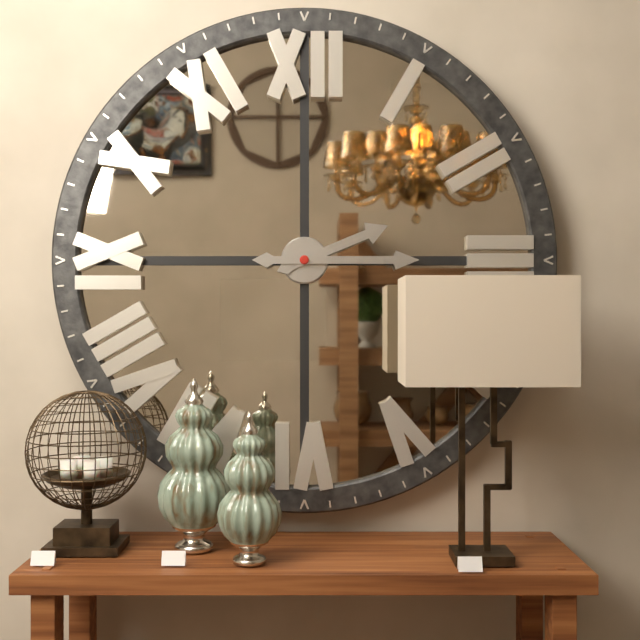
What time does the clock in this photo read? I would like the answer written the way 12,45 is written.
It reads 2,15
